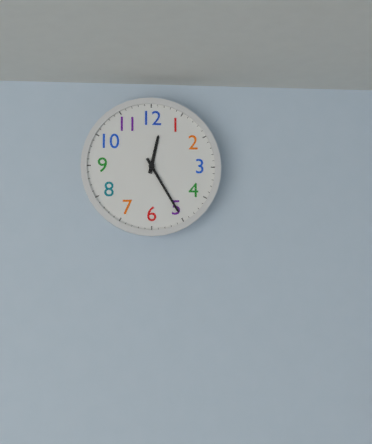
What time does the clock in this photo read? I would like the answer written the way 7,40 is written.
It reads 12,25
